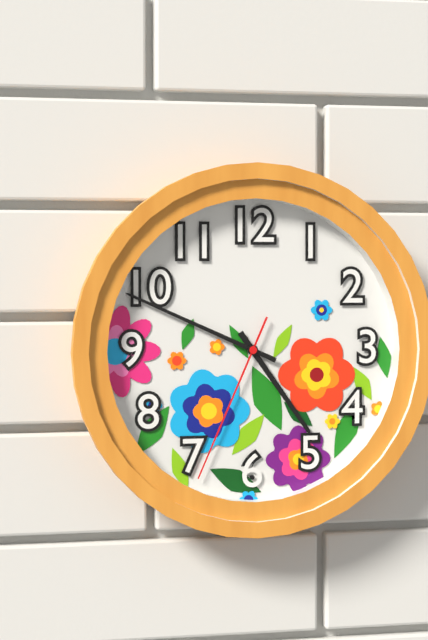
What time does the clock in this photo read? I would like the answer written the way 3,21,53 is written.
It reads 4,49,34
